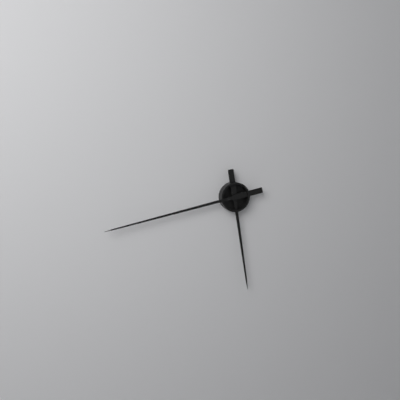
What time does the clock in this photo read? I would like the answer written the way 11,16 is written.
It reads 5,43
